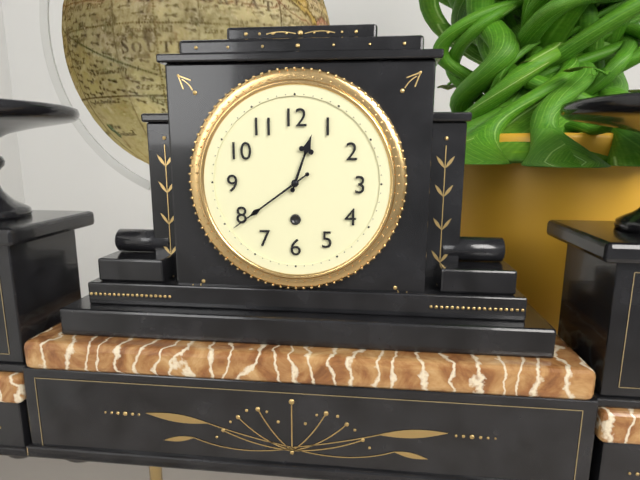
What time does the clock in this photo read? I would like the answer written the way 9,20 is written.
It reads 12,39
